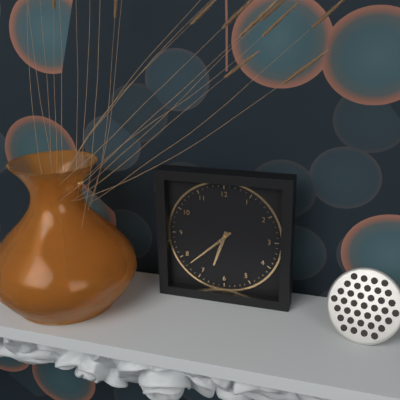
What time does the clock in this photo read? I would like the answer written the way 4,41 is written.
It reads 6,38
